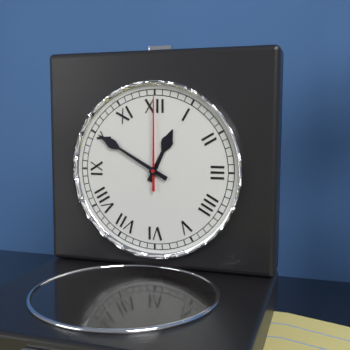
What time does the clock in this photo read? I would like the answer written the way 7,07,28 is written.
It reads 12,50,00
